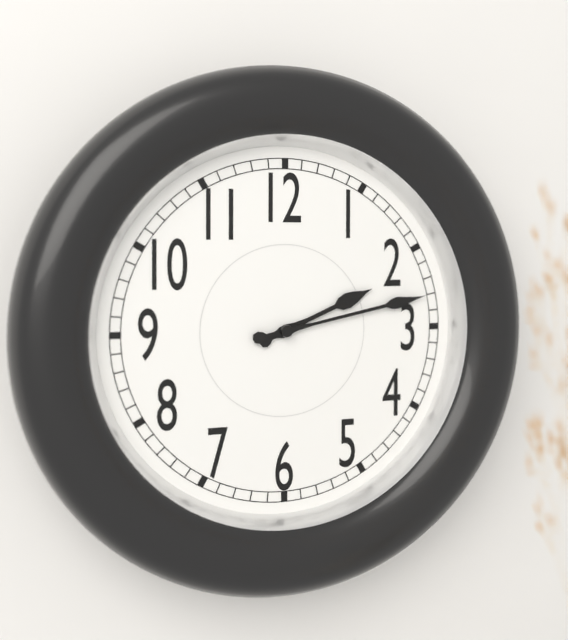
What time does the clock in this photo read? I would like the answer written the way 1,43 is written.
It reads 2,13
